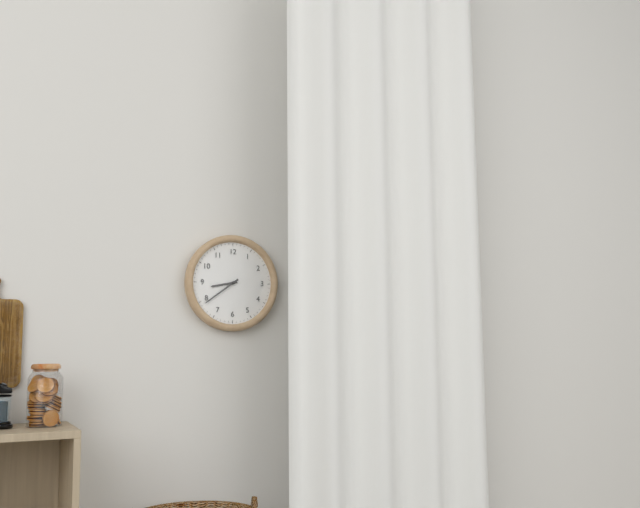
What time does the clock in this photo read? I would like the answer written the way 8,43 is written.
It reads 8,39
